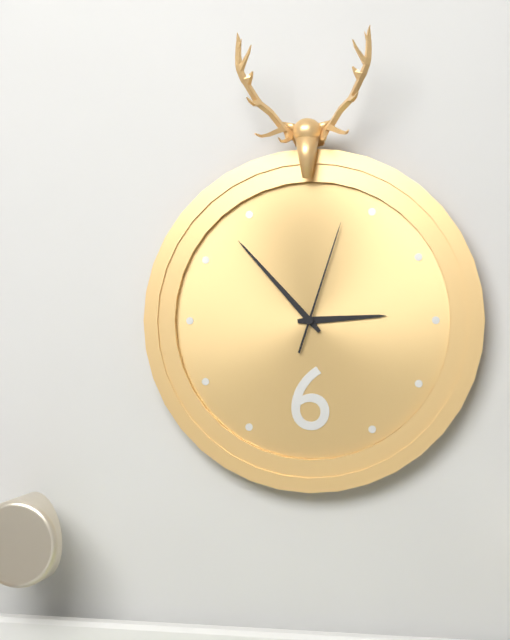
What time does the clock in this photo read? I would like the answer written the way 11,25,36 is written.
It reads 2,53,03
